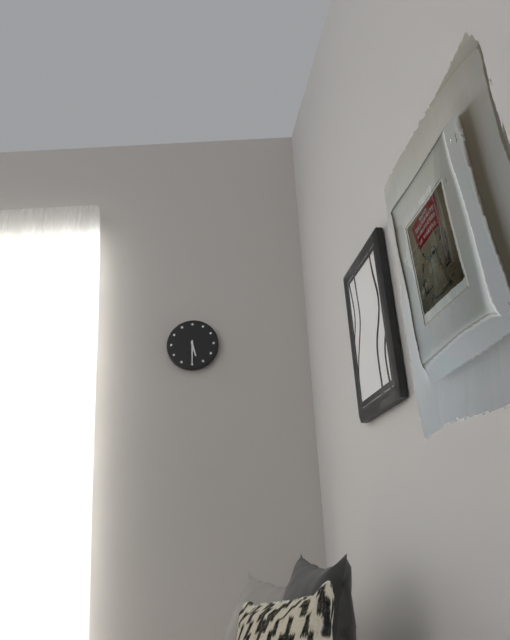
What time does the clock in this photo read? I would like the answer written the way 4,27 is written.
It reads 5,30
